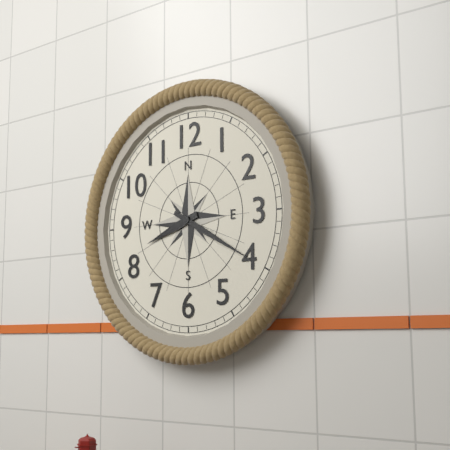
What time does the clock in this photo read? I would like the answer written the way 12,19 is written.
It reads 8,20
